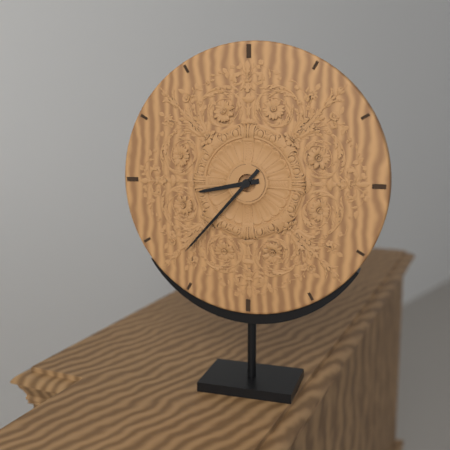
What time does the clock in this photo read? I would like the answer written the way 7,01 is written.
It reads 8,37
